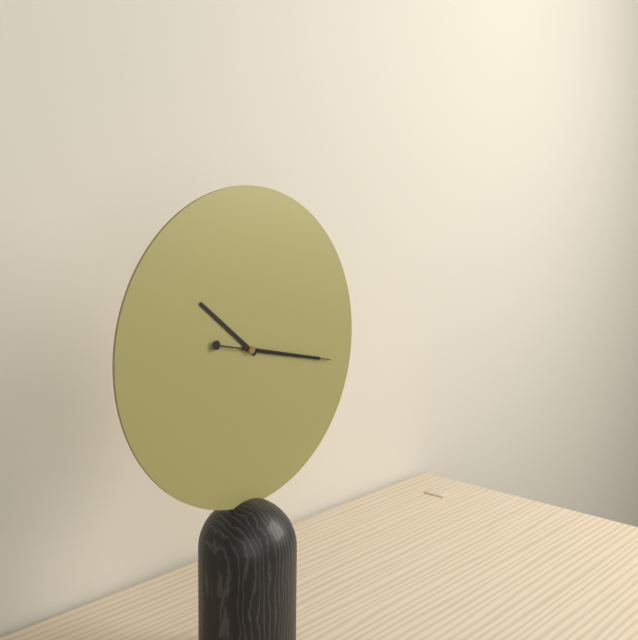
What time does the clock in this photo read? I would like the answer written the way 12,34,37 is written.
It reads 10,17,17
